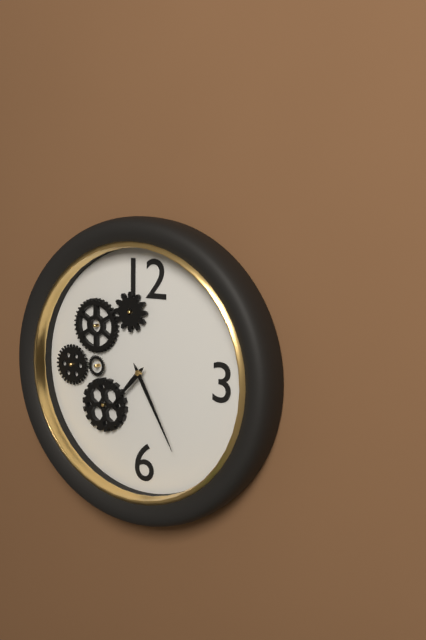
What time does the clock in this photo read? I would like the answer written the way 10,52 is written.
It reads 7,25
